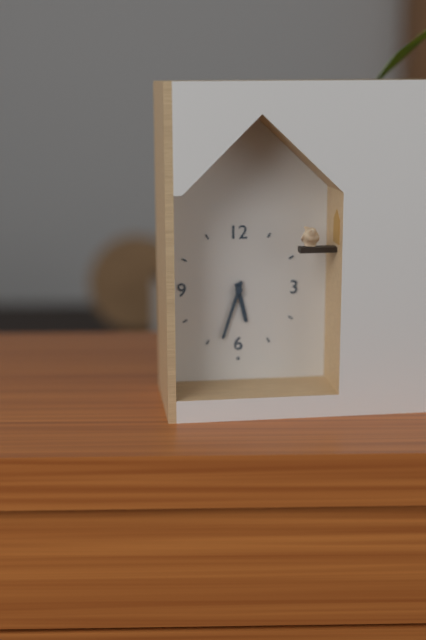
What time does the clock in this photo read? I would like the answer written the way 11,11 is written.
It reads 5,33
